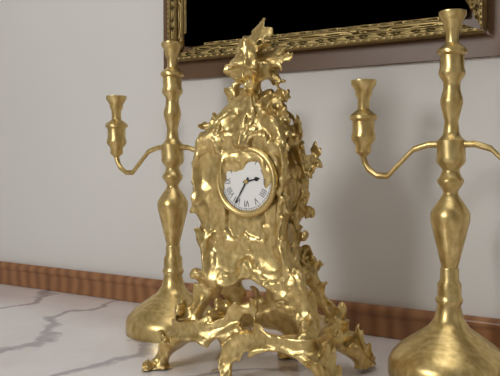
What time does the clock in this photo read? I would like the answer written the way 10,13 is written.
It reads 2,35
